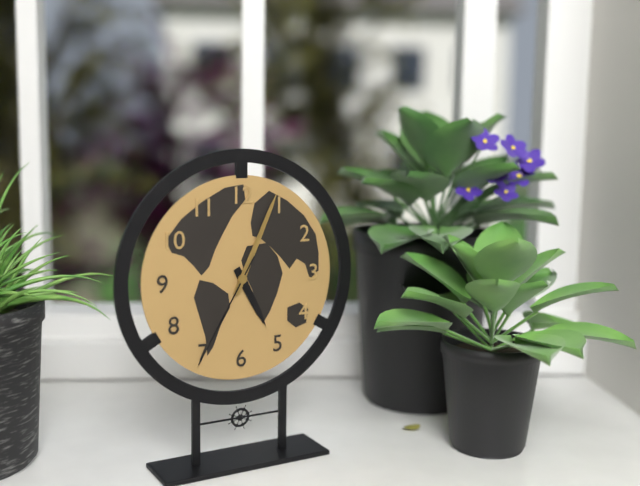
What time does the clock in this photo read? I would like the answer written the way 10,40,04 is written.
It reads 5,04,35
